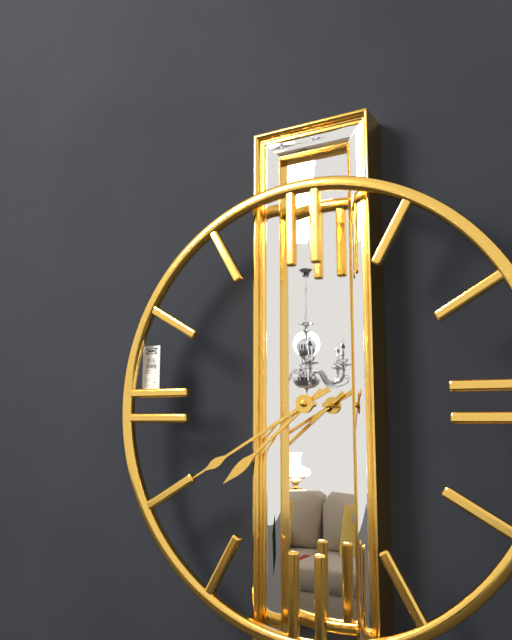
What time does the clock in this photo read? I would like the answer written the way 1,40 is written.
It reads 7,40
